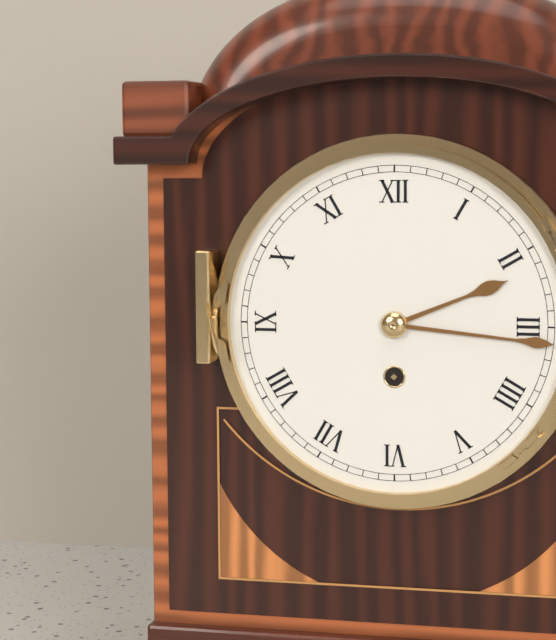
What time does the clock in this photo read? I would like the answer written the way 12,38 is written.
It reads 2,16
